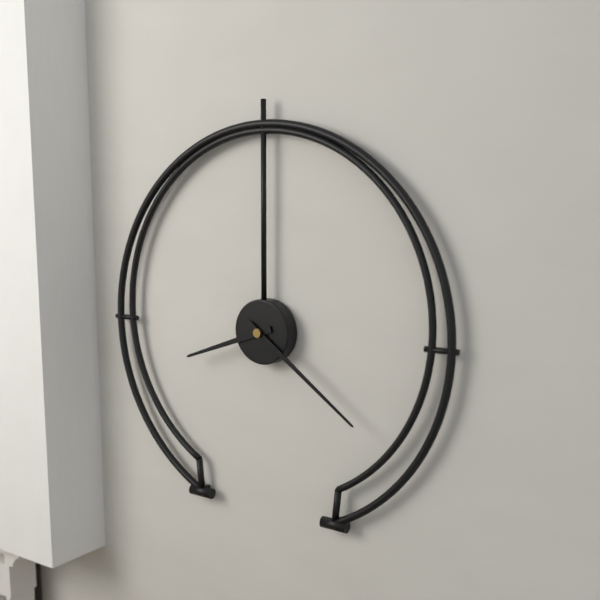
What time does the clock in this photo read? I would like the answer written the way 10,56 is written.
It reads 8,21
